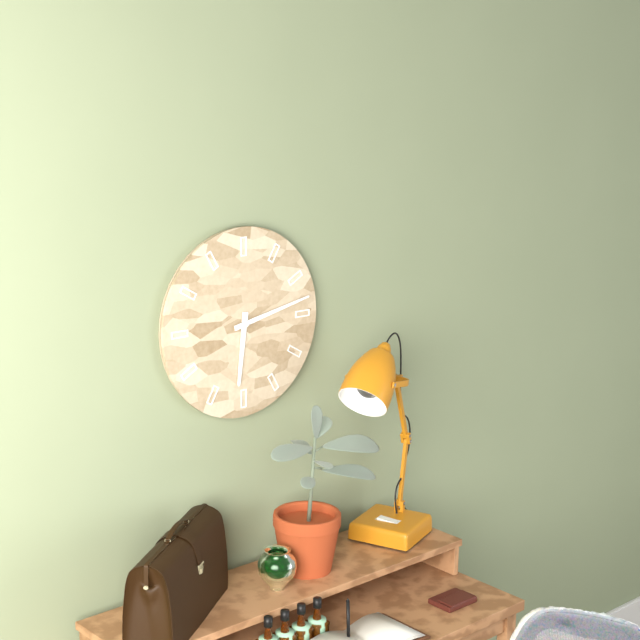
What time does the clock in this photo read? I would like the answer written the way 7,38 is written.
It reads 6,13
